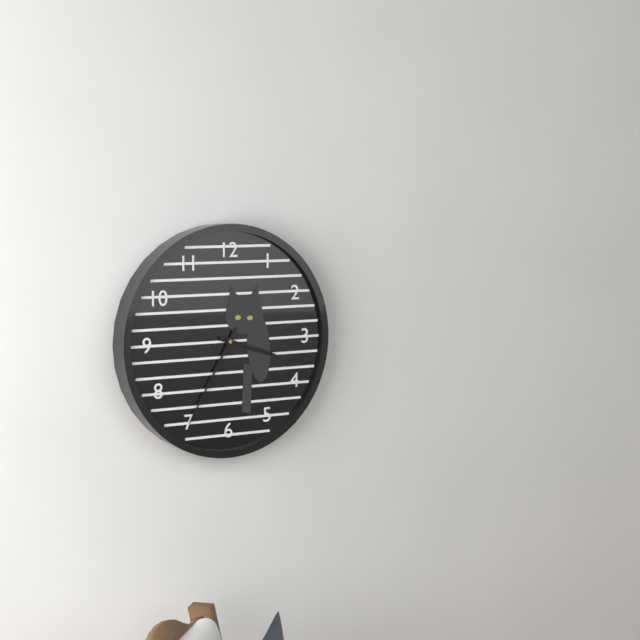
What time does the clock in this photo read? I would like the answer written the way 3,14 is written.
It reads 3,35
